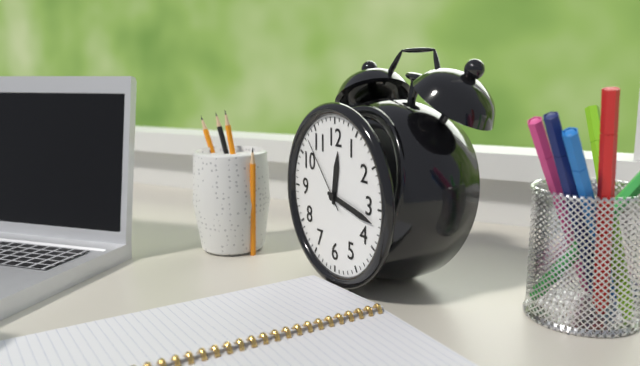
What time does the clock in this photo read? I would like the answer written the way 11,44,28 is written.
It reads 12,17,53
